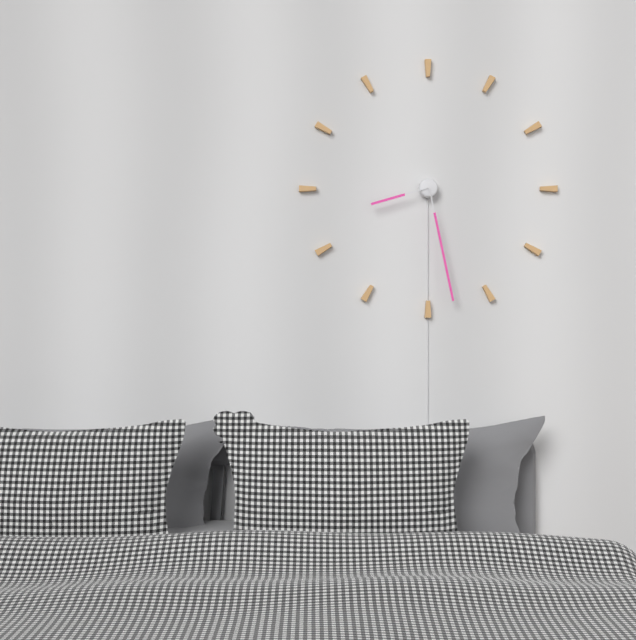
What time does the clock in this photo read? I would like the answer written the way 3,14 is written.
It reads 8,28
